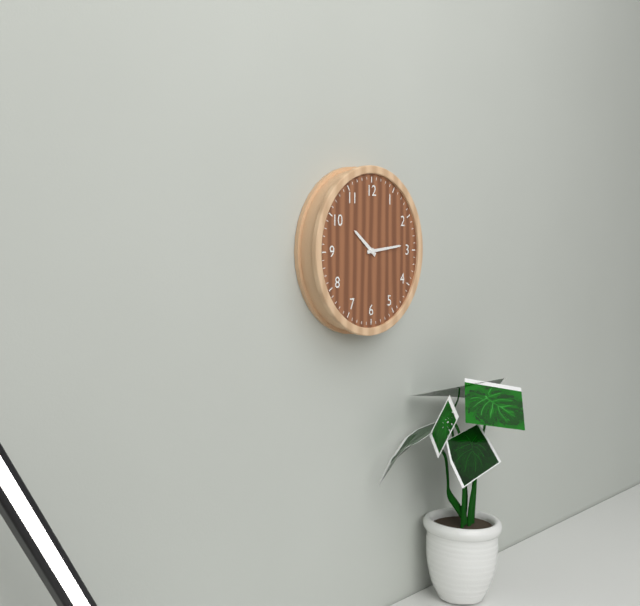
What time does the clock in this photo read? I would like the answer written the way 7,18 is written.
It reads 10,14
